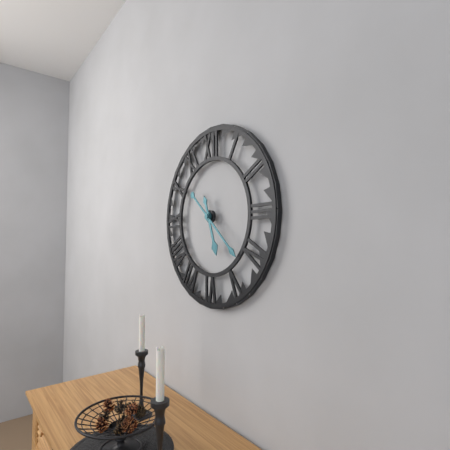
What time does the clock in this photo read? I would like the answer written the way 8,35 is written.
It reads 5,22
